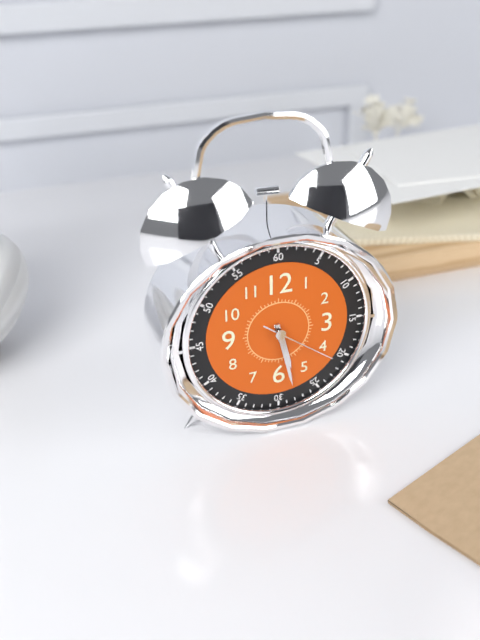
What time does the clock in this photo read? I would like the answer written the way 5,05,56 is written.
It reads 5,28,21
